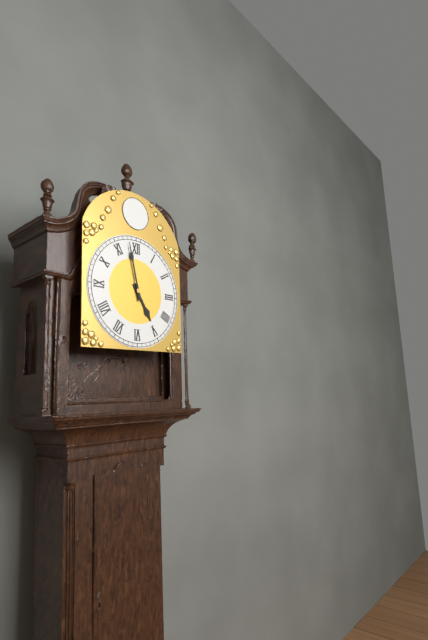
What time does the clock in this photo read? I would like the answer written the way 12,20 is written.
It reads 4,58
